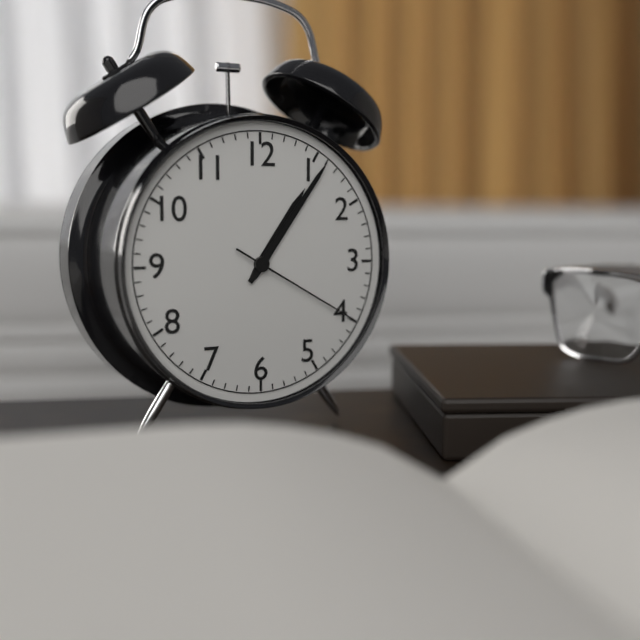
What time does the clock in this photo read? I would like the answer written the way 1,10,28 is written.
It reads 1,06,20
